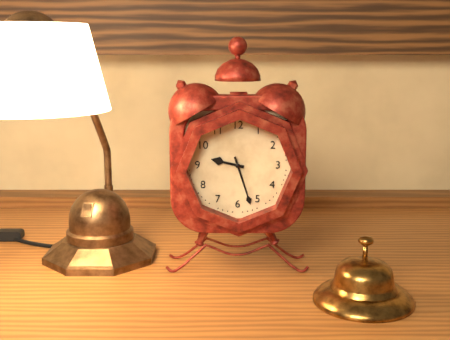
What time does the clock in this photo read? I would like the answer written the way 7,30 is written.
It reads 9,27
